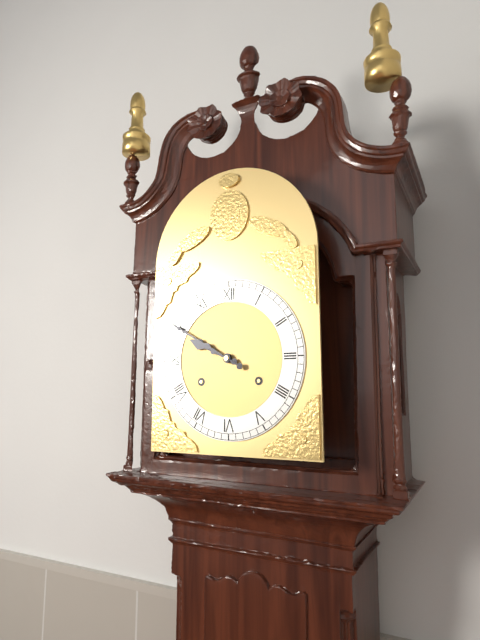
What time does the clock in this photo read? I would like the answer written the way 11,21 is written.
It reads 9,50
